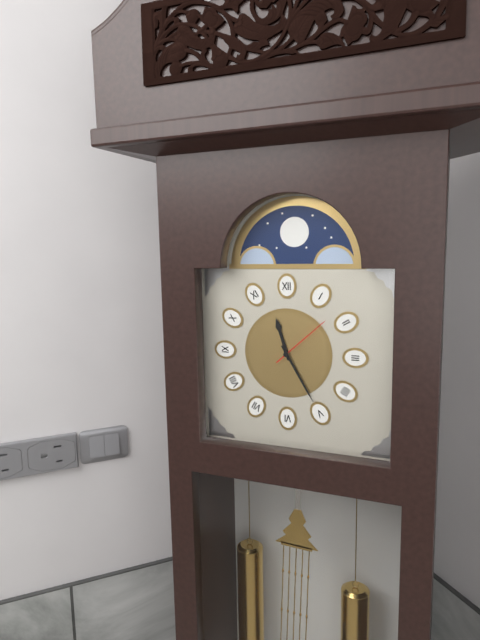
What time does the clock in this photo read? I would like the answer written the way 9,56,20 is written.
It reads 11,25,08
